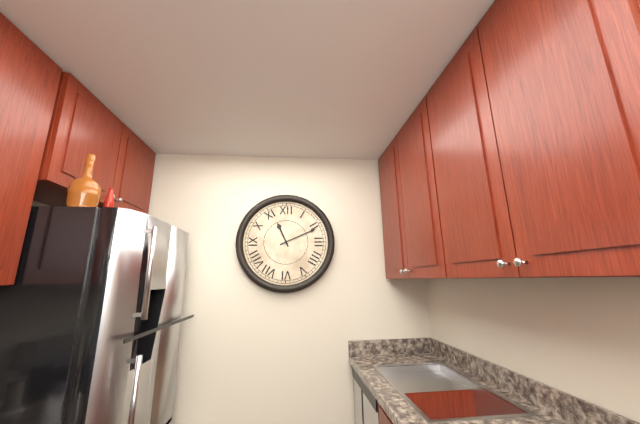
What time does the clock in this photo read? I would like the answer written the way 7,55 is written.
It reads 11,11
